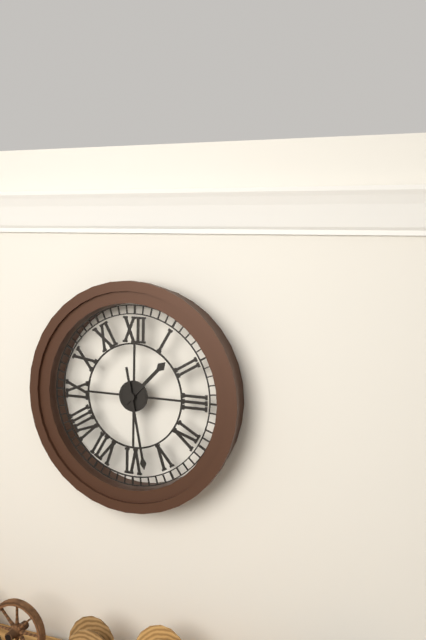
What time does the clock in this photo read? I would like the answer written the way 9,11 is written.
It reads 1,28
